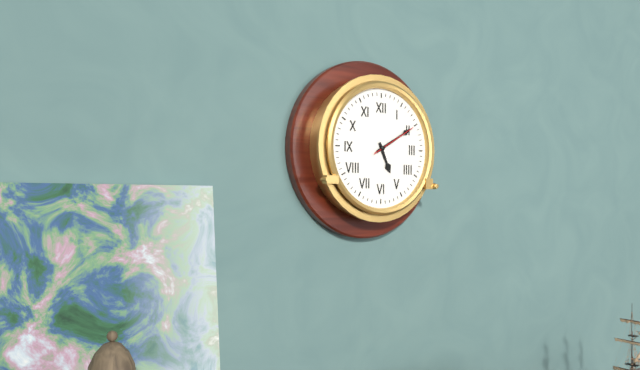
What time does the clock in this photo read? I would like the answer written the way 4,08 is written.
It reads 5,10
